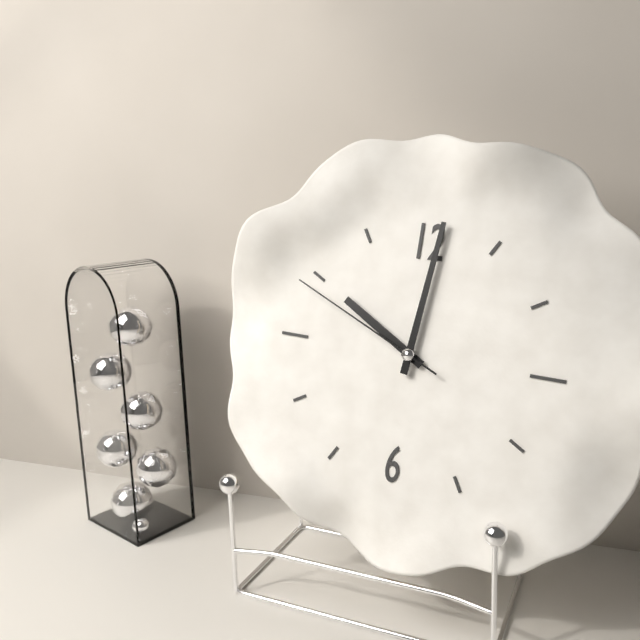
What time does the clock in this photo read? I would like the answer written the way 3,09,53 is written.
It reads 10,01,49
